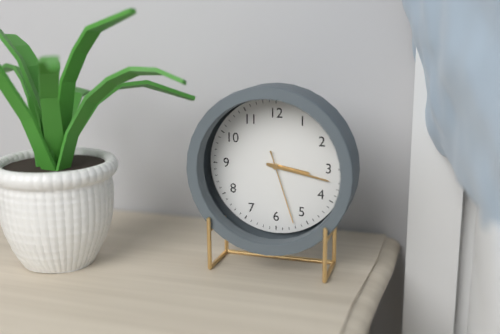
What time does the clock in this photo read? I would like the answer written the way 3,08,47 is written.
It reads 3,17,27
